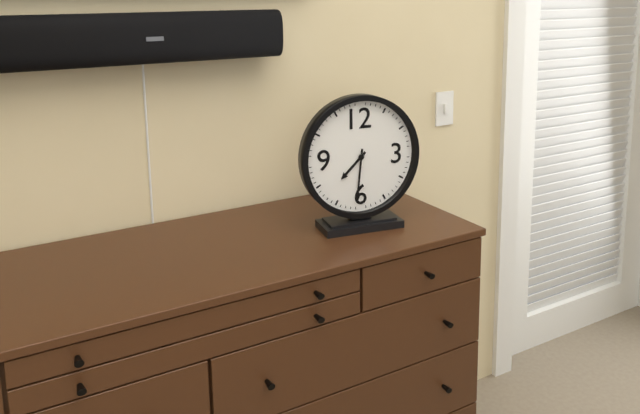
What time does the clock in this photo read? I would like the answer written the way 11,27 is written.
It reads 7,31
